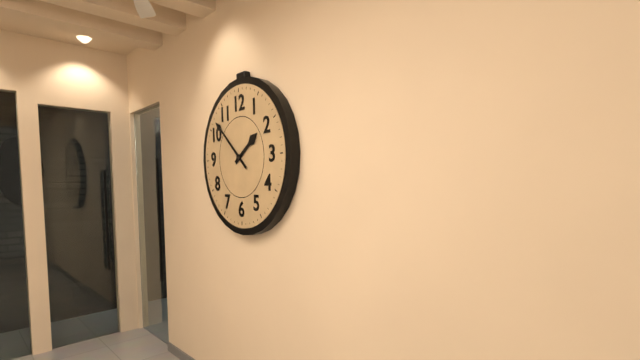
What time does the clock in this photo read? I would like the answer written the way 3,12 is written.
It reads 1,52
